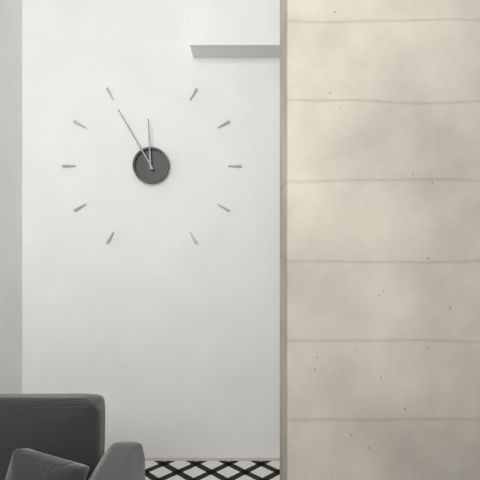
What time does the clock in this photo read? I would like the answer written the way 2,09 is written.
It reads 11,55
